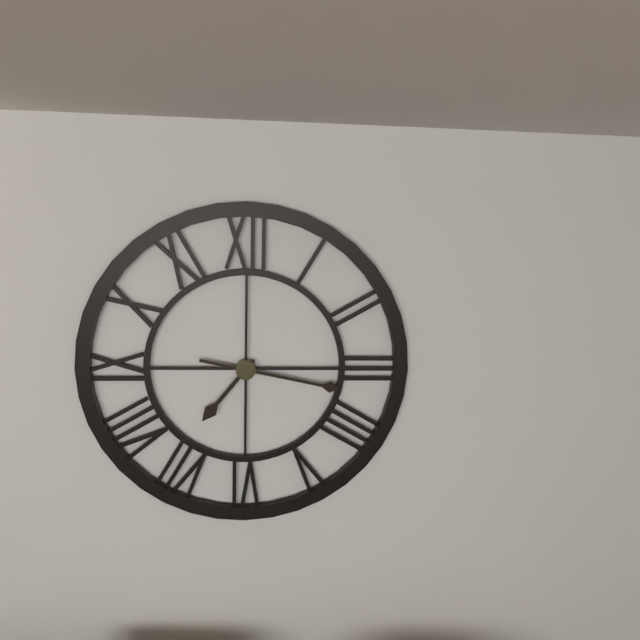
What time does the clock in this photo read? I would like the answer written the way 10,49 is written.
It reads 7,17
